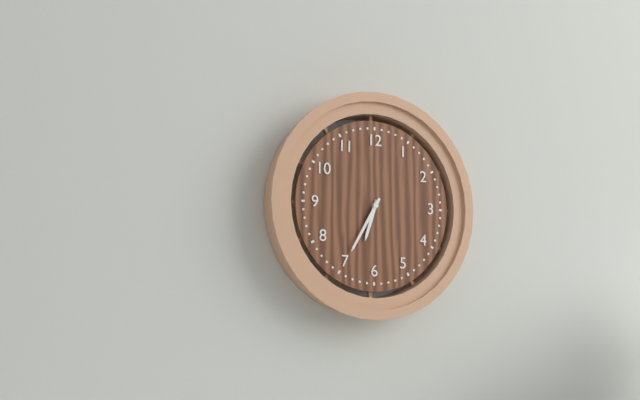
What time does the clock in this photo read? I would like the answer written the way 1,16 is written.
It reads 6,35
